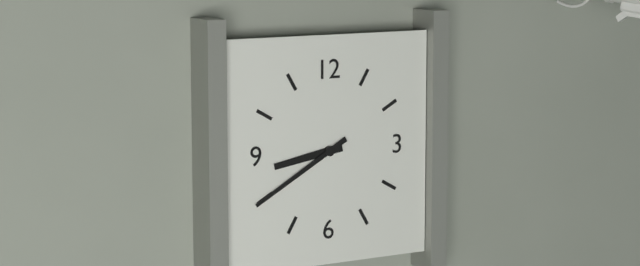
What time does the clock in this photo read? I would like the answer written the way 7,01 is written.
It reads 8,40
